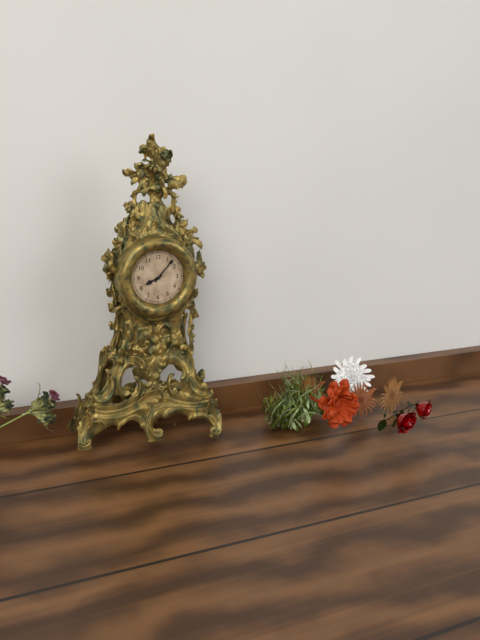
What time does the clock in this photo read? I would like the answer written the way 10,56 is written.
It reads 8,07
